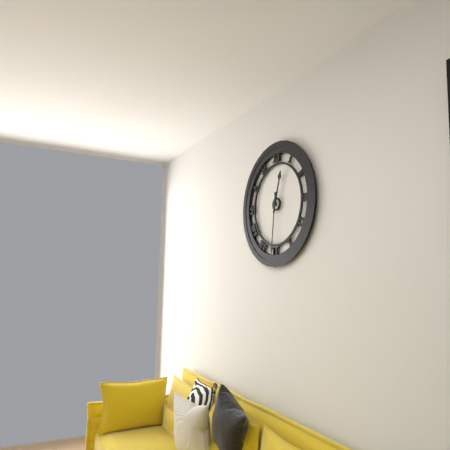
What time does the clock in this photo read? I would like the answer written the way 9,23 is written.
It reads 12,31
